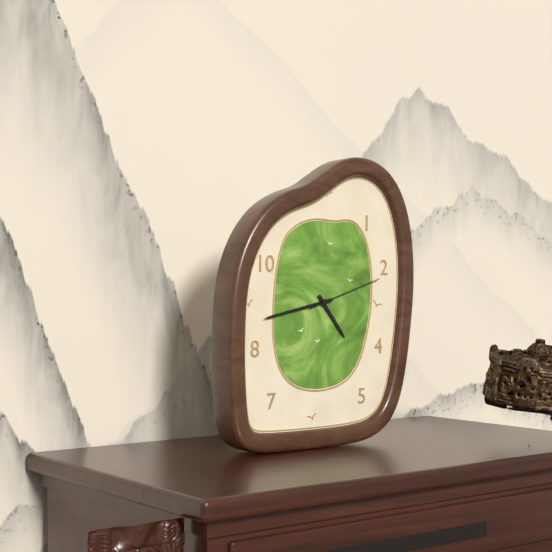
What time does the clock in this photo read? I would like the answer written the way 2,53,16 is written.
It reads 4,43,12
